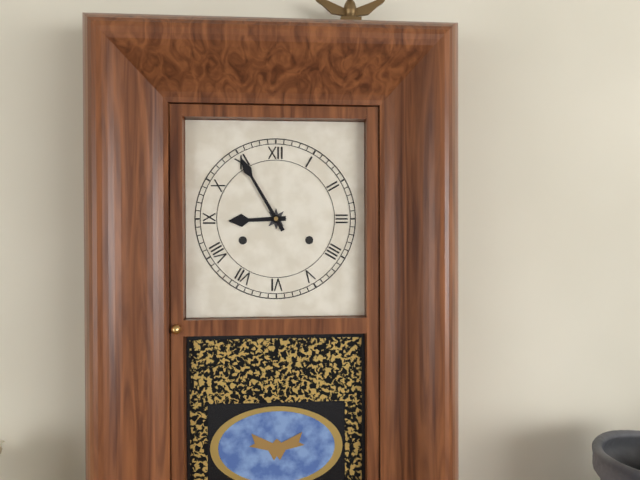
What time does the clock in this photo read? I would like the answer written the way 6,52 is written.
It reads 8,55
